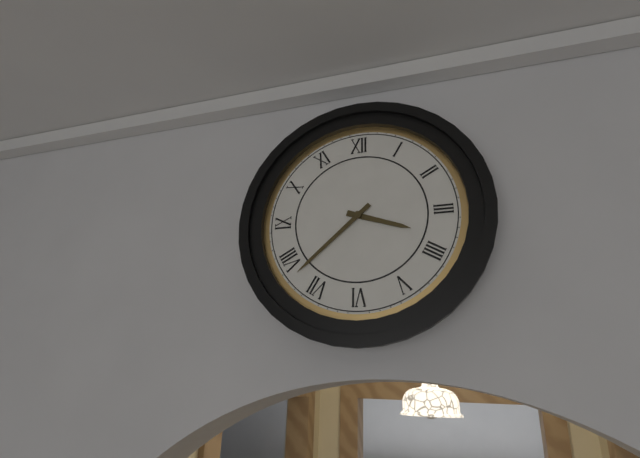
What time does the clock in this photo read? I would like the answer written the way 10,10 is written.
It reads 3,38
